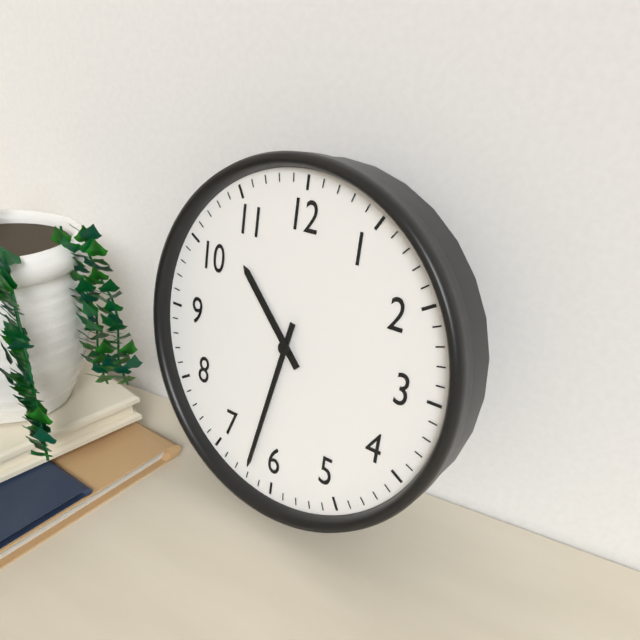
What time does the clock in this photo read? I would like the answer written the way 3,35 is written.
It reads 10,32
